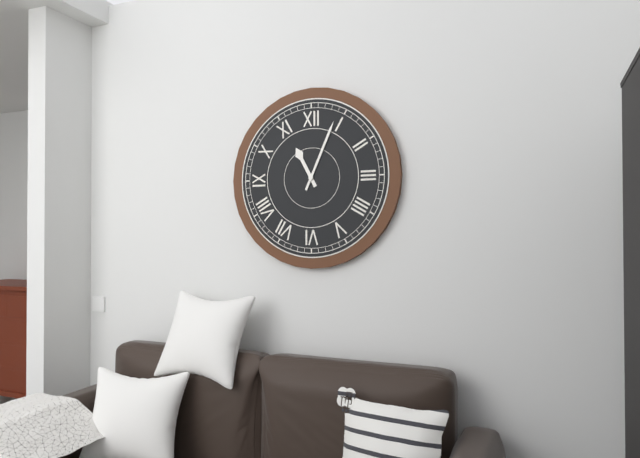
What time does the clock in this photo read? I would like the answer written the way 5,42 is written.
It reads 11,04
